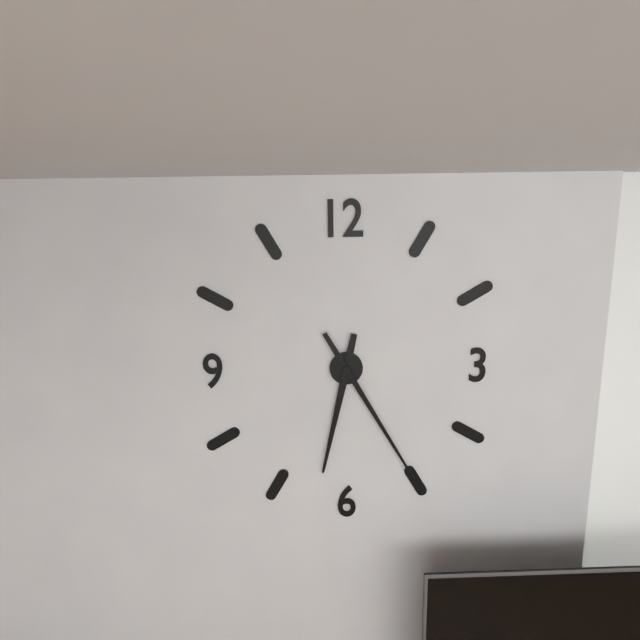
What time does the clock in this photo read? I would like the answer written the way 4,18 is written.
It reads 6,25
